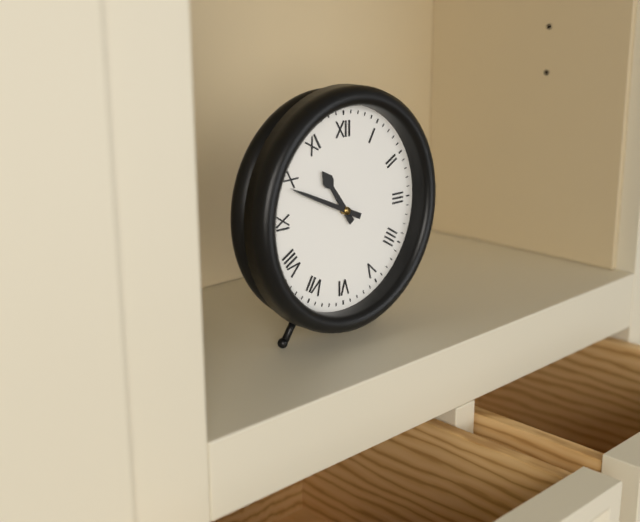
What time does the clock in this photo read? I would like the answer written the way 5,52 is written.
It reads 10,49
